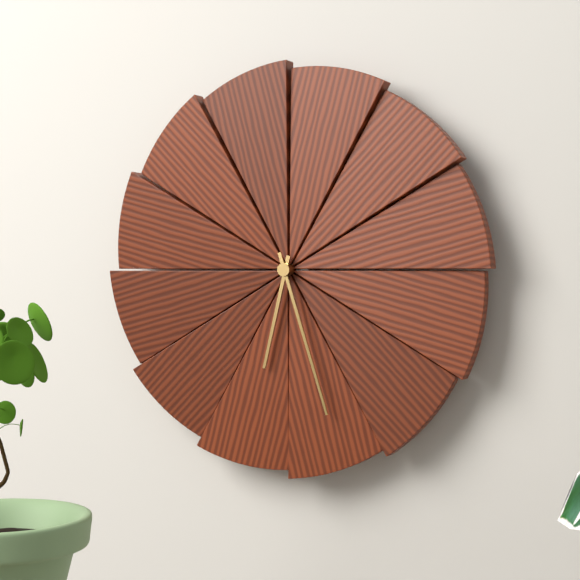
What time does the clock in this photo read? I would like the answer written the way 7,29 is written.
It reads 6,27
